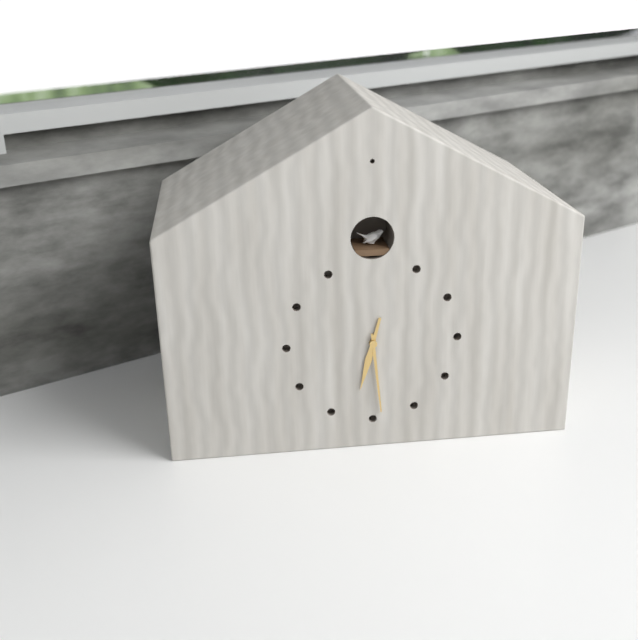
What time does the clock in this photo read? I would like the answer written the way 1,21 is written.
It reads 6,29
